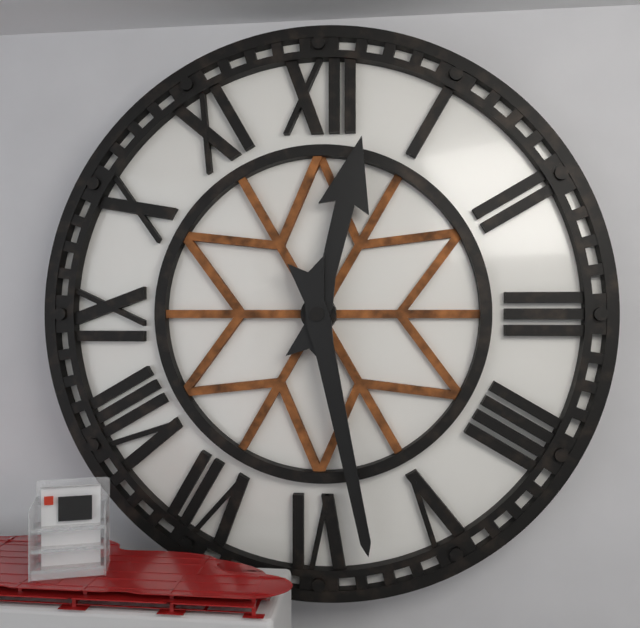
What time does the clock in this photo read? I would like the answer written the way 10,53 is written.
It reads 12,28
